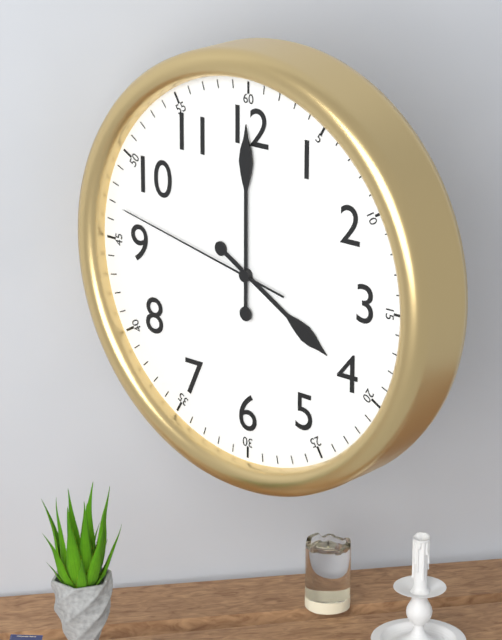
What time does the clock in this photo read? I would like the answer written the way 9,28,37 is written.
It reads 4,00,47
